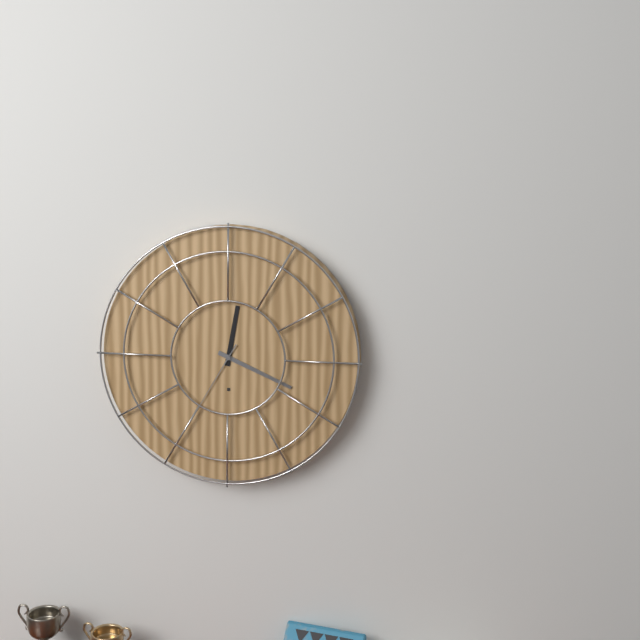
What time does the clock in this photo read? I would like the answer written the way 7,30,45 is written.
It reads 12,19,35
